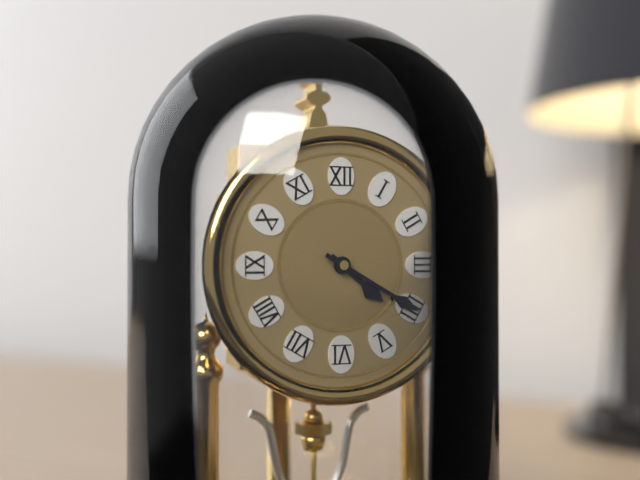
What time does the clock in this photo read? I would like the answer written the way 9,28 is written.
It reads 4,20
